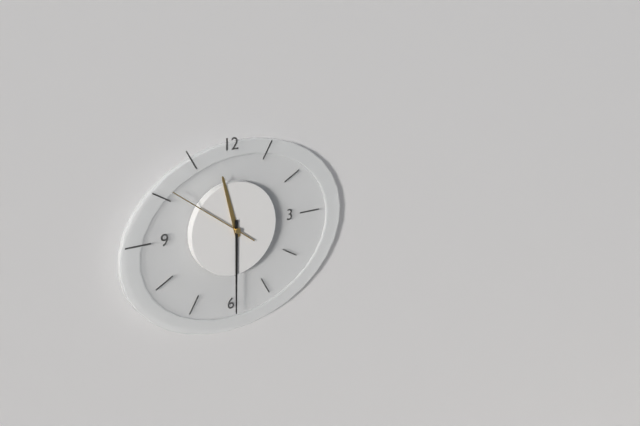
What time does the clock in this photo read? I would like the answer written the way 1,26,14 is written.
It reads 11,30,51
